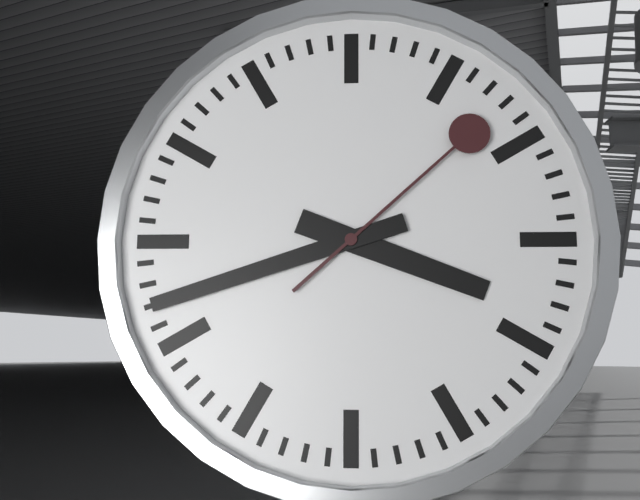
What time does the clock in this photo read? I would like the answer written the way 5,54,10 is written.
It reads 3,42,08
